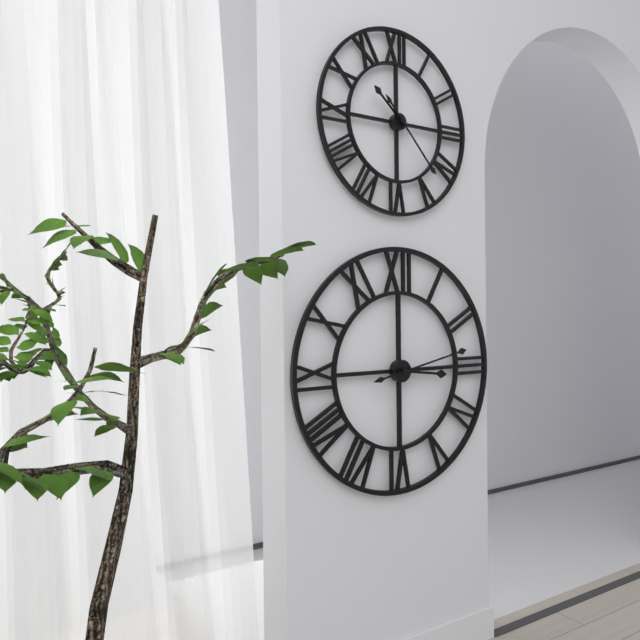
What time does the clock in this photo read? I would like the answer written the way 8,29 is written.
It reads 3,13
